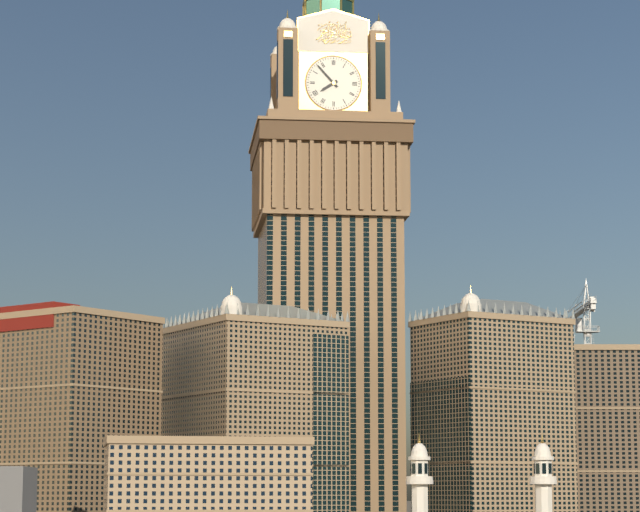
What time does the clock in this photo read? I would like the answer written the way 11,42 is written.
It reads 7,53
